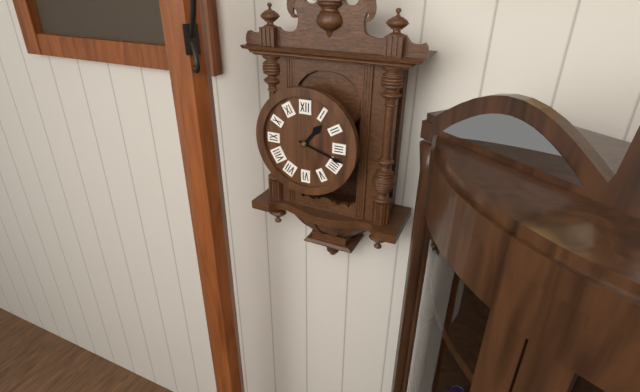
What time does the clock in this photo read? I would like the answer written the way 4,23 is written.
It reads 1,18
